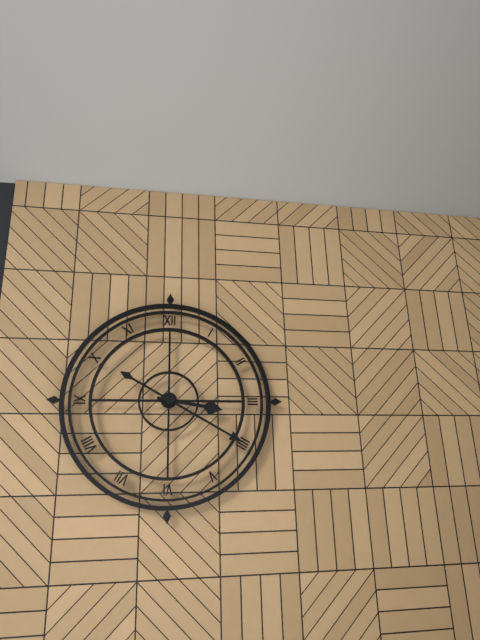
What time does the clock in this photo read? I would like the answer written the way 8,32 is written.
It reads 3,20
